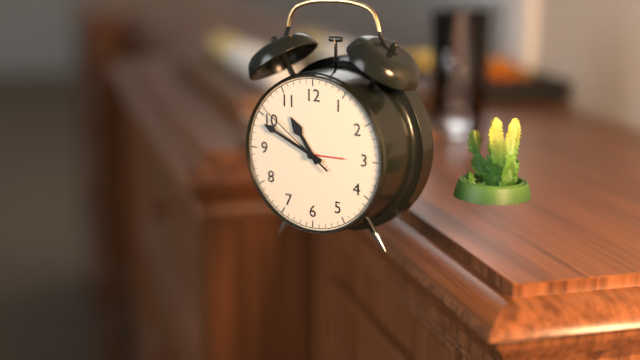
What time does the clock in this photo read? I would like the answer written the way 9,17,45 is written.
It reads 10,49,51
